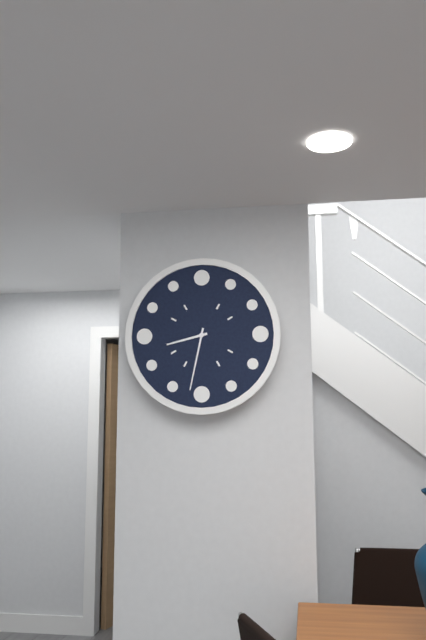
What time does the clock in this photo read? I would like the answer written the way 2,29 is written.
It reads 8,32
